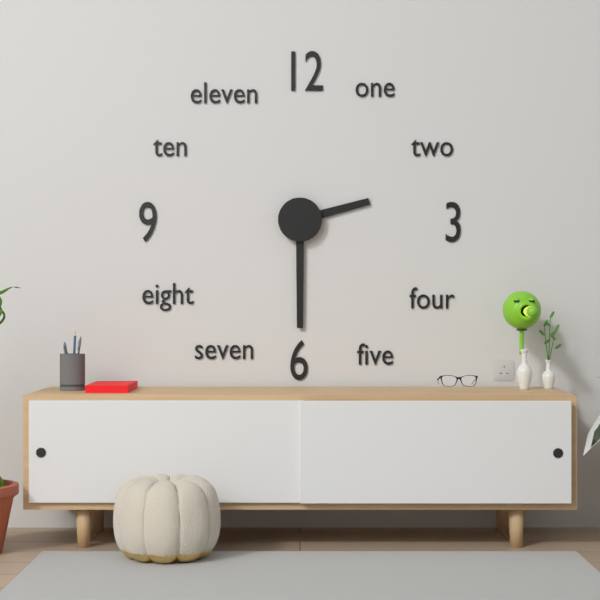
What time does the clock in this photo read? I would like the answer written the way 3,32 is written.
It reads 2,30
